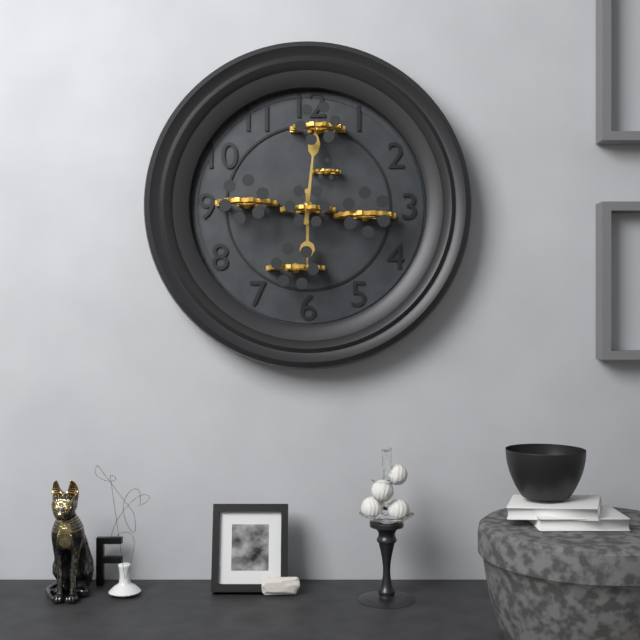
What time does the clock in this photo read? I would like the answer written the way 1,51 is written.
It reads 6,01
